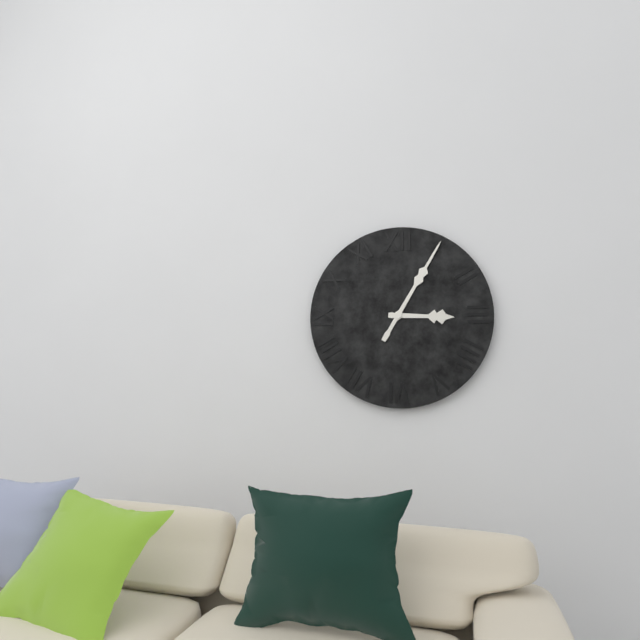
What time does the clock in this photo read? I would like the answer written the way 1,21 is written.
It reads 3,05
